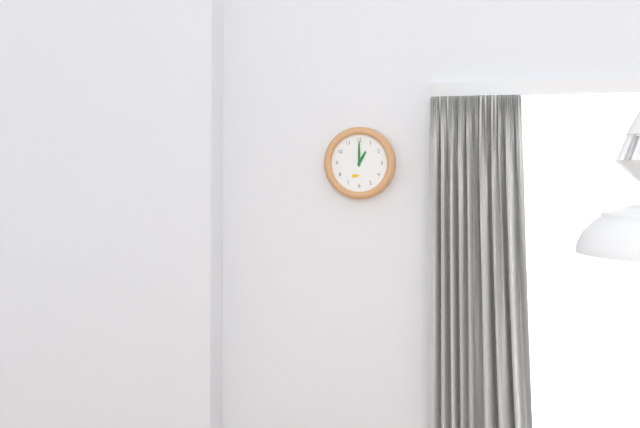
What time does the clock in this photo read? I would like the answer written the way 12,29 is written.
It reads 1,00
